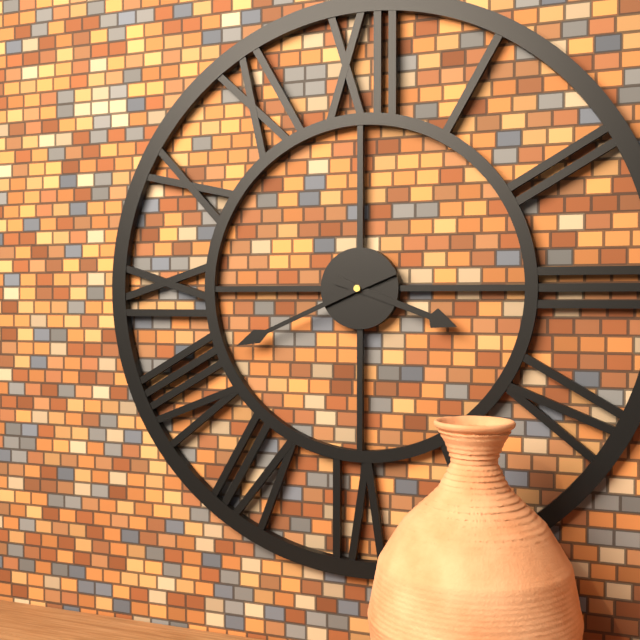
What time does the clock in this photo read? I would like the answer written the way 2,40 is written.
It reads 3,41
